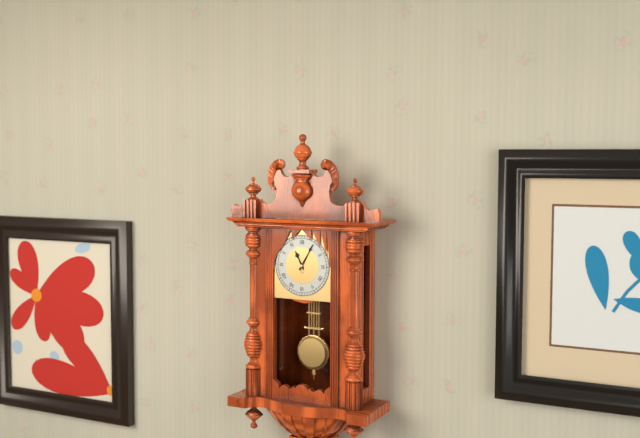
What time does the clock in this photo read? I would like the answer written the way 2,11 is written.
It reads 11,05
